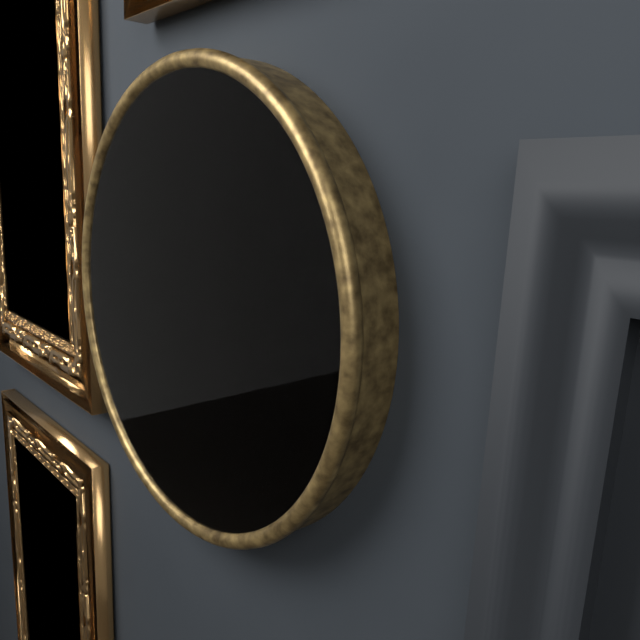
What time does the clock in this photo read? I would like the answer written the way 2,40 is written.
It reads 11,48
